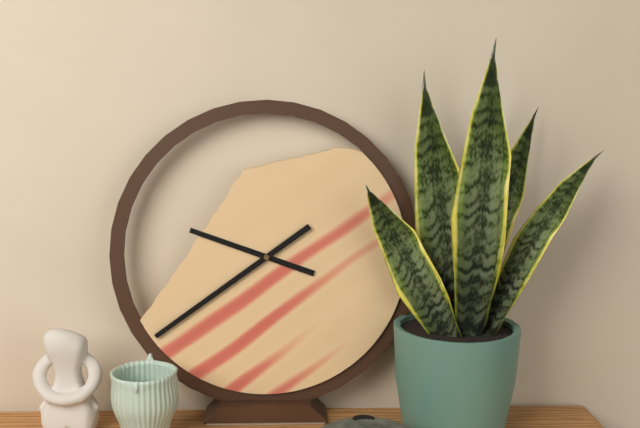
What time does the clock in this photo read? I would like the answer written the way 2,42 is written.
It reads 9,39
